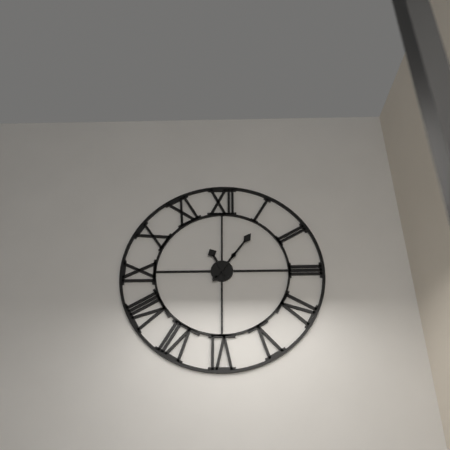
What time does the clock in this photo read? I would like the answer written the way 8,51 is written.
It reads 11,06
